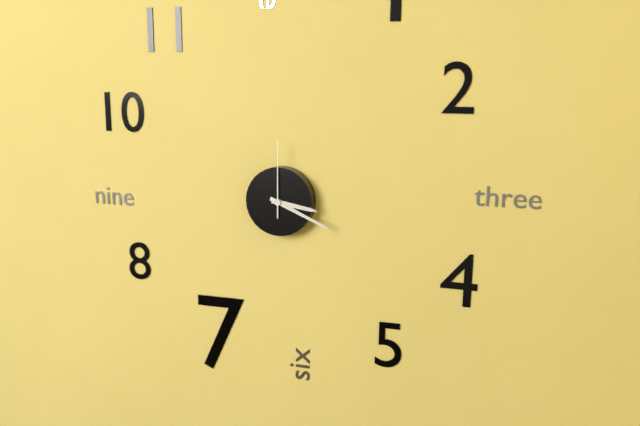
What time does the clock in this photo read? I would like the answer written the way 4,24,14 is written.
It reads 3,19,00
